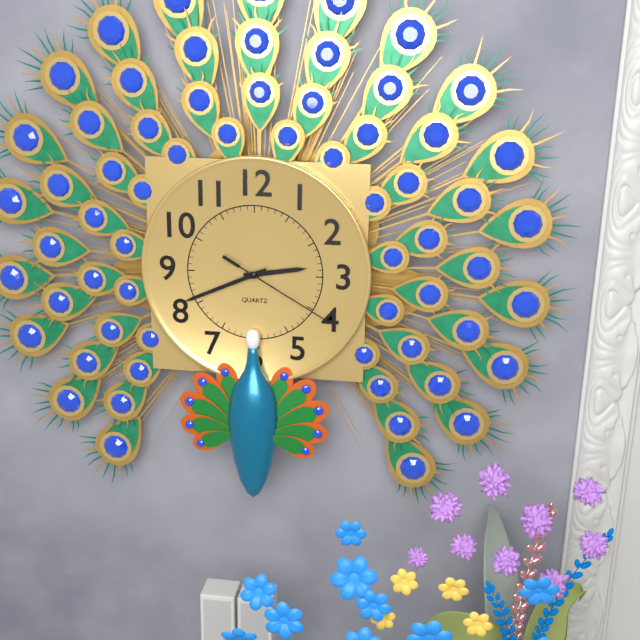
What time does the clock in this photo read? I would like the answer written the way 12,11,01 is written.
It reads 2,41,20
